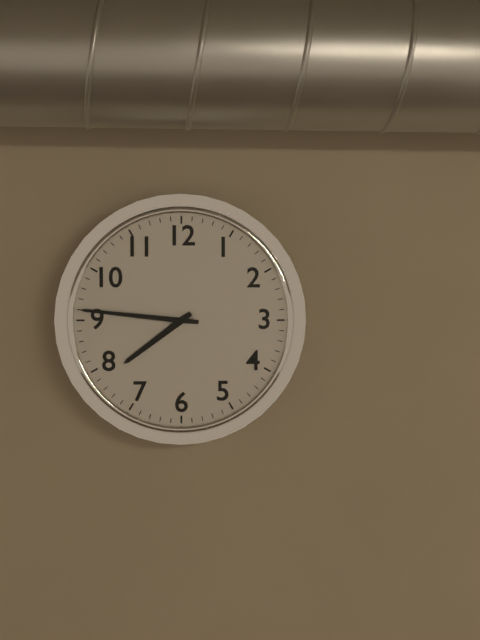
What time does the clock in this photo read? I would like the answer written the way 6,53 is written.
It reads 7,46
